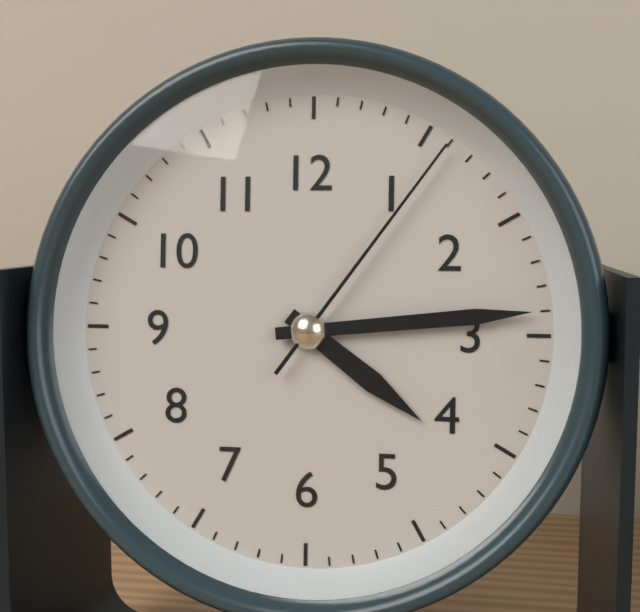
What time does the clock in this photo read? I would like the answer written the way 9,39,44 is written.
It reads 4,14,06
